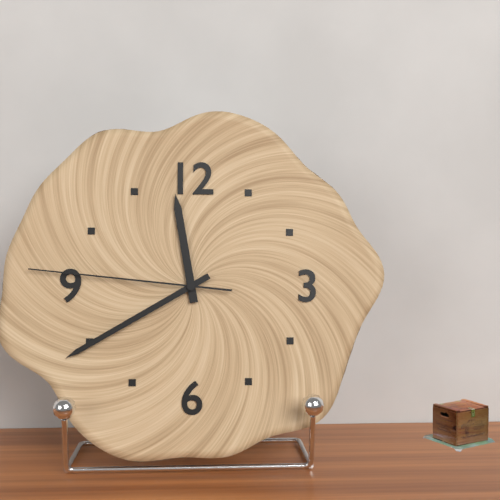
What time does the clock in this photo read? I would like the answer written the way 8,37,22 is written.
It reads 11,40,46
